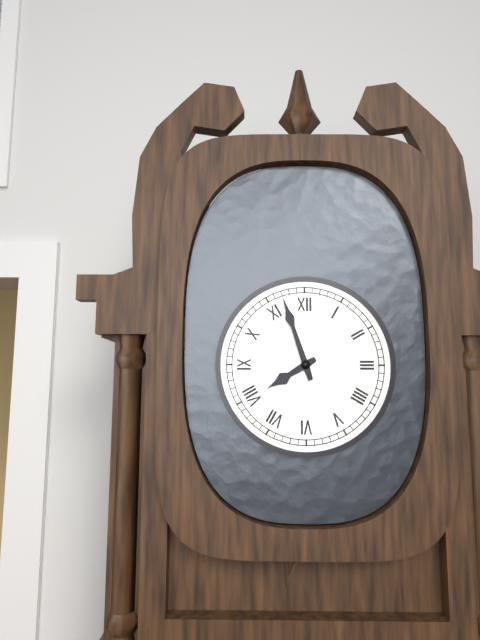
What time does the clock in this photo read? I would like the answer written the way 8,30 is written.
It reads 7,57
